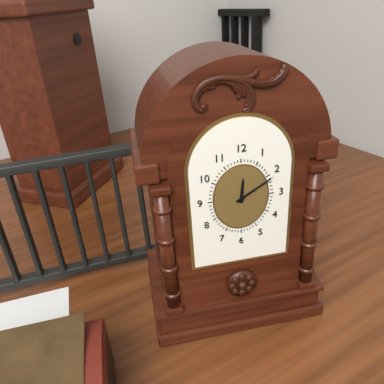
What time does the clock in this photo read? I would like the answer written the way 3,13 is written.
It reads 12,10
